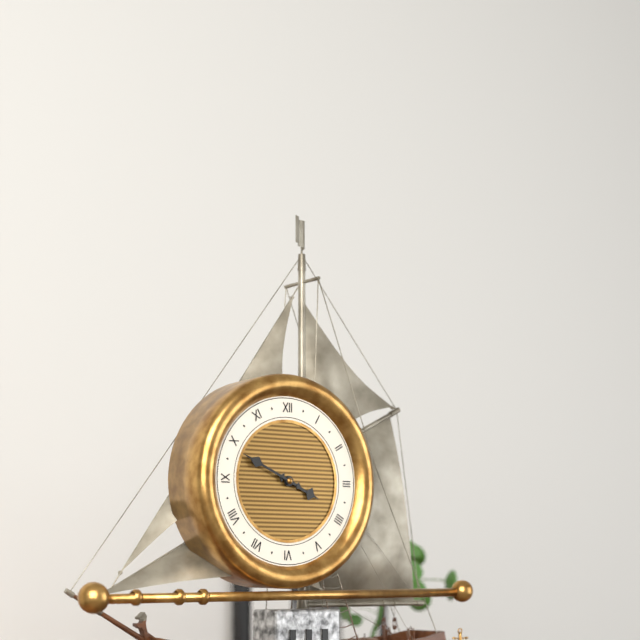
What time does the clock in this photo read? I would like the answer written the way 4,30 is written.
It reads 3,49
